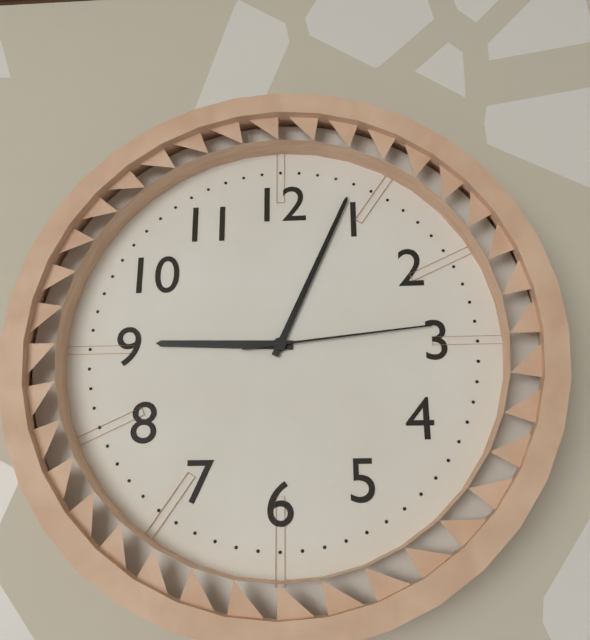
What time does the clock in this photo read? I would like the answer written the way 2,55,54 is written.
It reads 9,04,14
